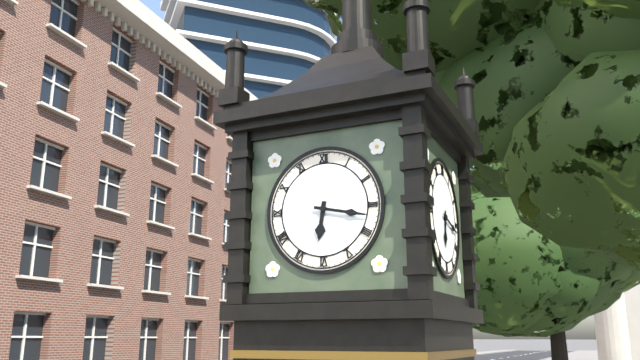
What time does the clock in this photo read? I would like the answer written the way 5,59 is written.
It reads 6,17
